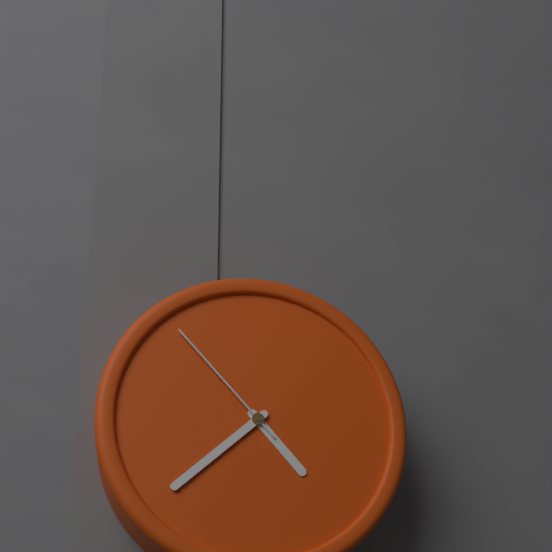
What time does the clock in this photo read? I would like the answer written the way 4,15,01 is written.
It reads 4,38,53
